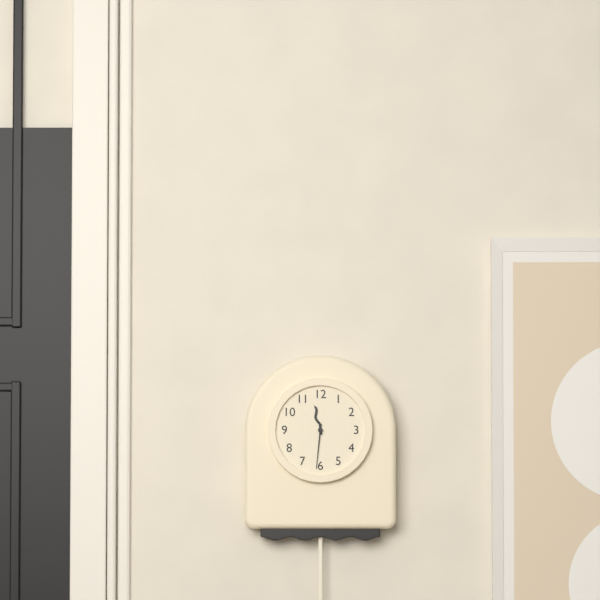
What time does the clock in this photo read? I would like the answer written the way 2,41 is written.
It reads 11,31
